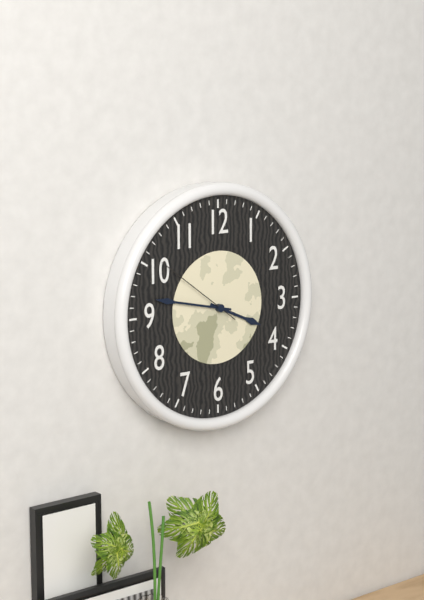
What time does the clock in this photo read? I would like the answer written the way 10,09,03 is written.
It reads 3,47,51
